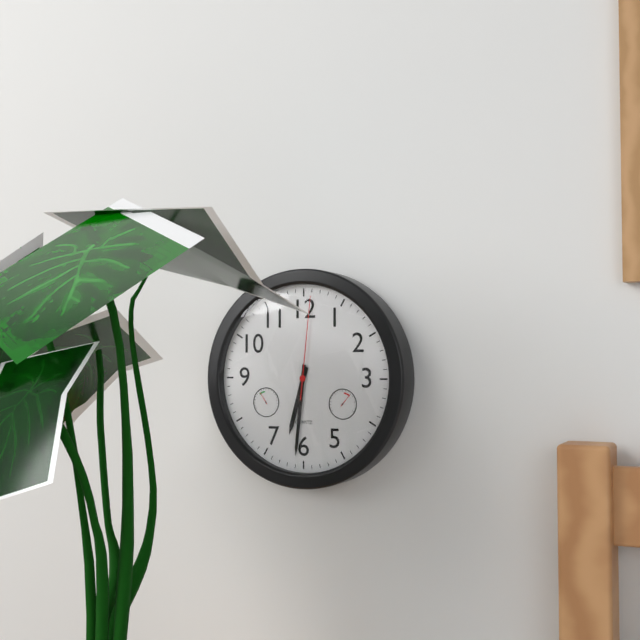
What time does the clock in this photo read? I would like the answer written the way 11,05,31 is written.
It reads 6,31,01
